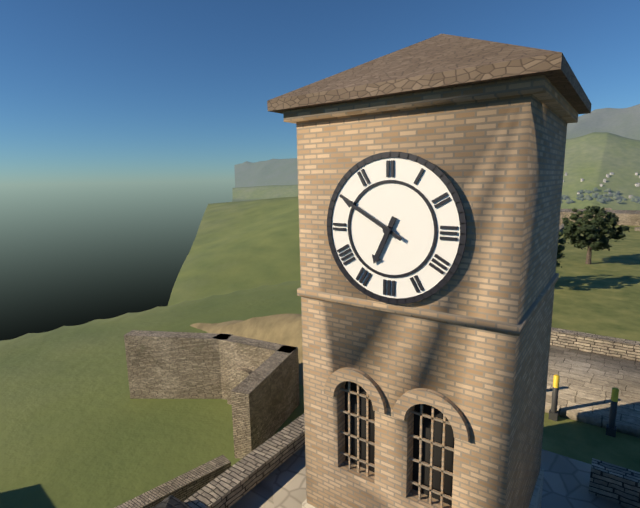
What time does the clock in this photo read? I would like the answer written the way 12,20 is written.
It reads 6,50
